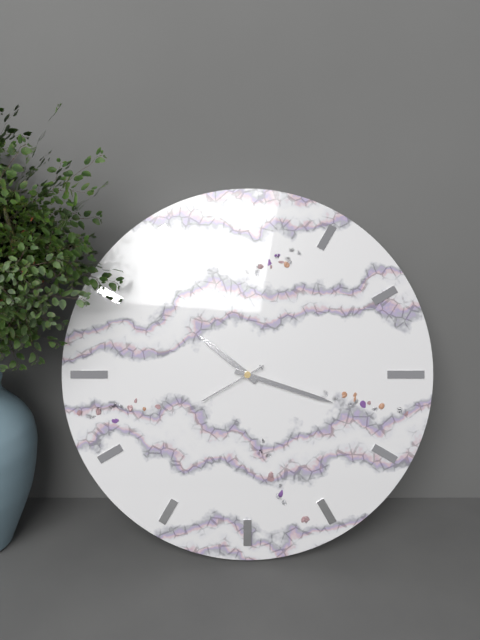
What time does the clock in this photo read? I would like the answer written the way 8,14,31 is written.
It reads 10,18,40
